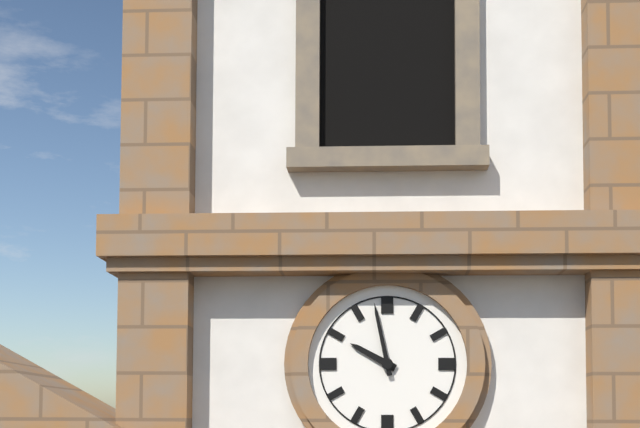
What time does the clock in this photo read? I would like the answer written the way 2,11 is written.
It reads 9,58
